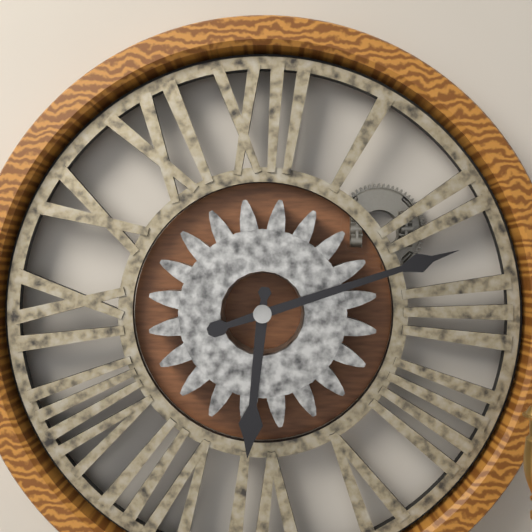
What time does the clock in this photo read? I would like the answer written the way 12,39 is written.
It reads 6,12
